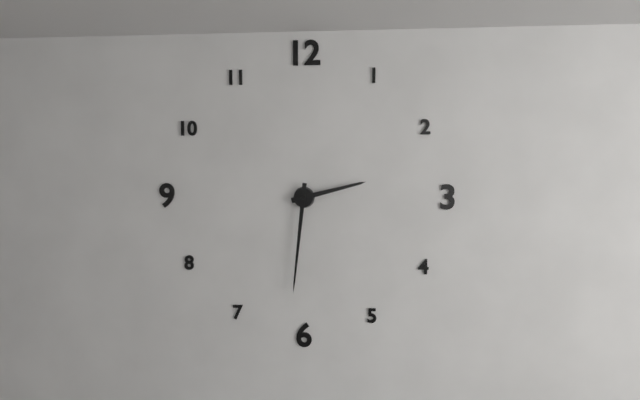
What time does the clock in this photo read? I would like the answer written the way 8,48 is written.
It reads 2,31
